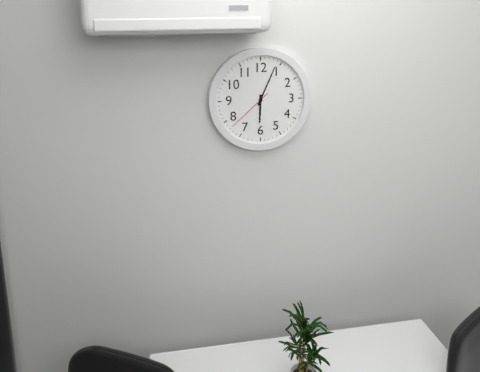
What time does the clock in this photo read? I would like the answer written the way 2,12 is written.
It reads 6,04
